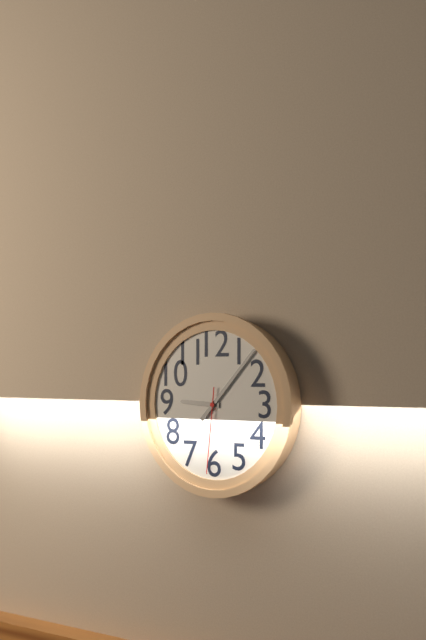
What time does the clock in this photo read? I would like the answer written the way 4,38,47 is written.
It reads 9,07,31
